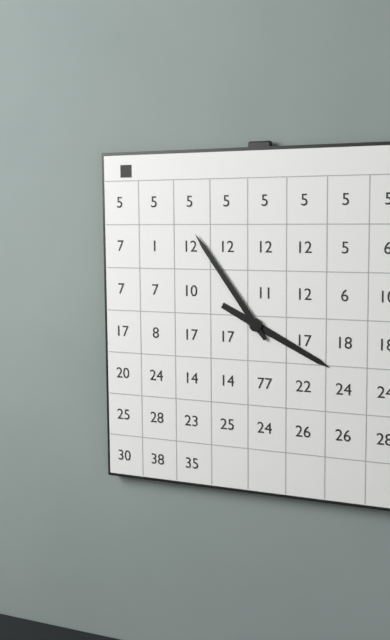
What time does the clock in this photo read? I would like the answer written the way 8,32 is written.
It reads 3,54
